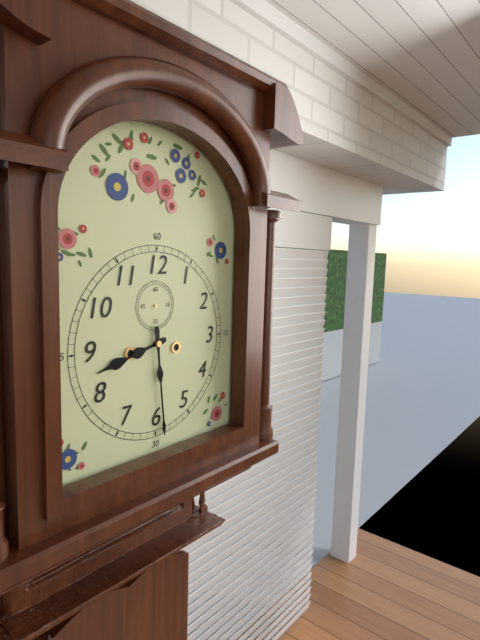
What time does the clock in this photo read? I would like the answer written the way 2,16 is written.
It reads 8,29
